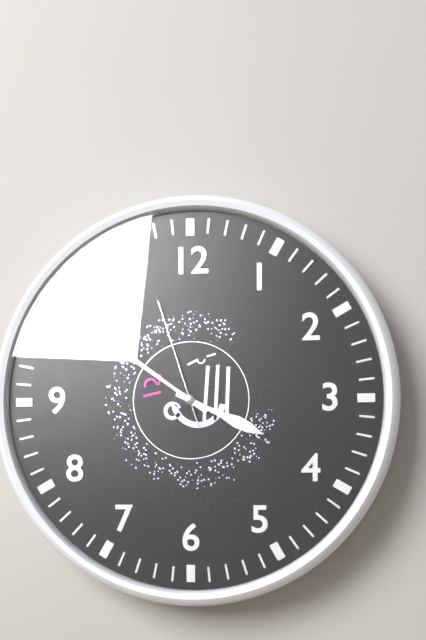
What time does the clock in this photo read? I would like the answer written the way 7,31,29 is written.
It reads 3,51,57
